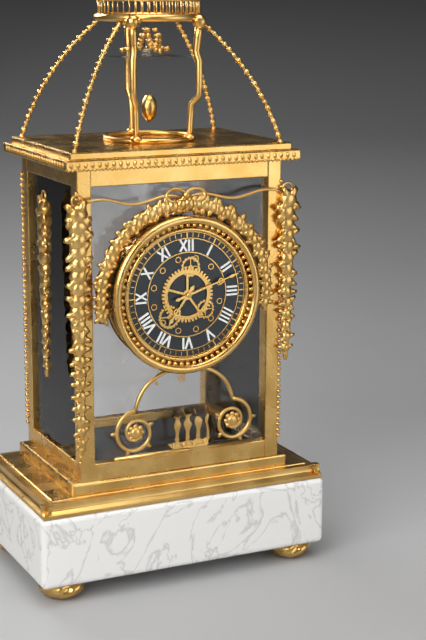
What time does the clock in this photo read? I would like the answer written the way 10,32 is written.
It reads 7,12
